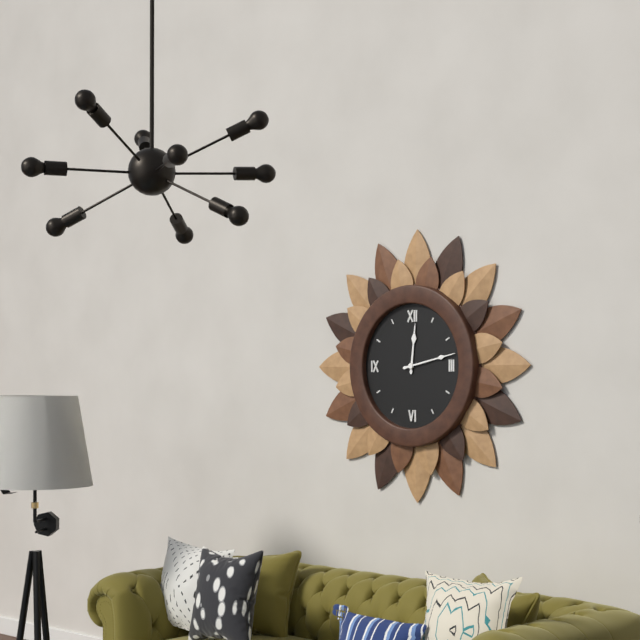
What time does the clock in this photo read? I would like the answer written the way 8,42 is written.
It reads 12,13
